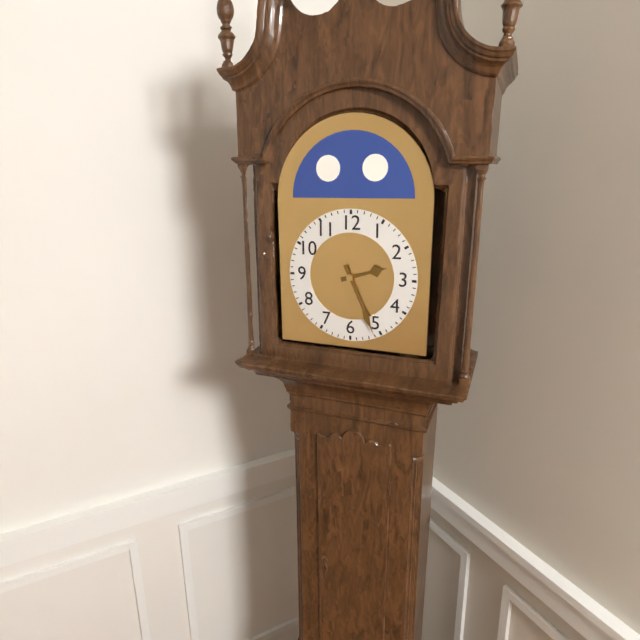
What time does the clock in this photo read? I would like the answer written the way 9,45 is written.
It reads 2,26
